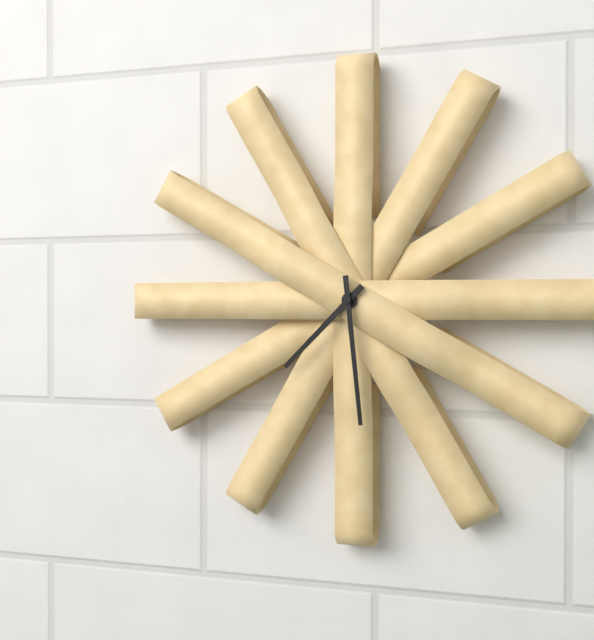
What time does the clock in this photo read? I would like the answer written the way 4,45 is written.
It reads 7,29
